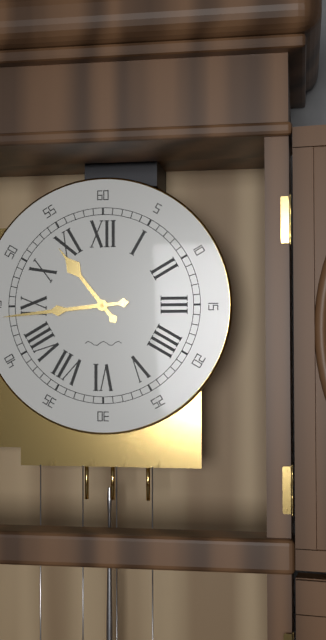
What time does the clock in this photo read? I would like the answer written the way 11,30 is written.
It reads 10,44
